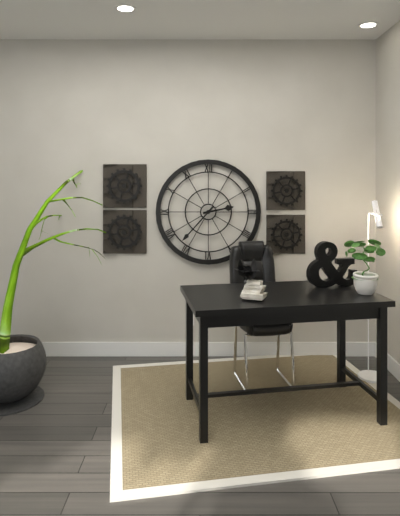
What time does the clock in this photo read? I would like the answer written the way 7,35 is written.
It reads 2,37
